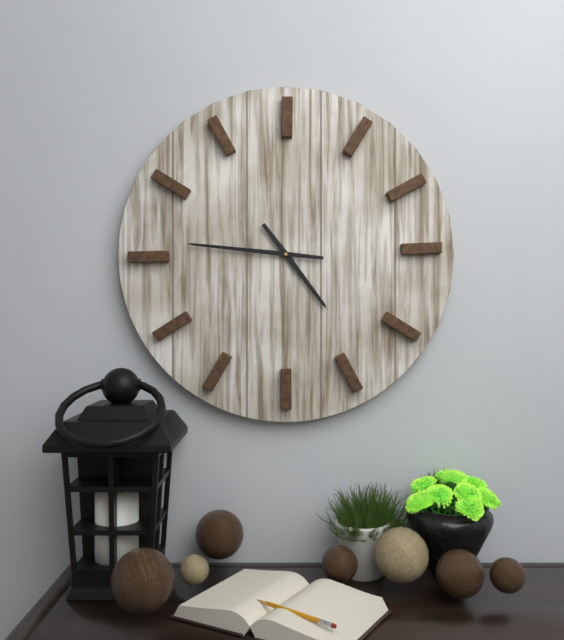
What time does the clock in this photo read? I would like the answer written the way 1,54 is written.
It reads 4,46
